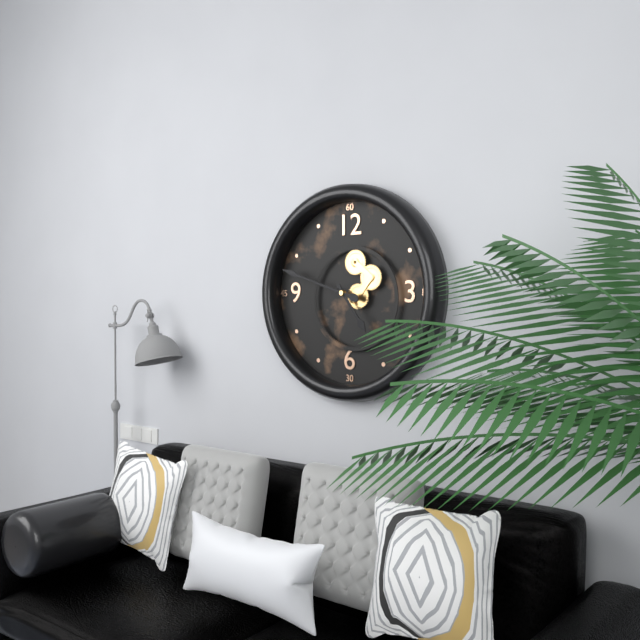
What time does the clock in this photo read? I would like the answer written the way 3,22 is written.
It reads 4,48
